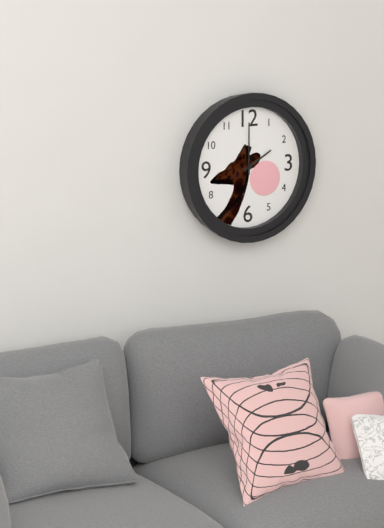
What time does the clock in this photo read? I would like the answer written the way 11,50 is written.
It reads 2,00
